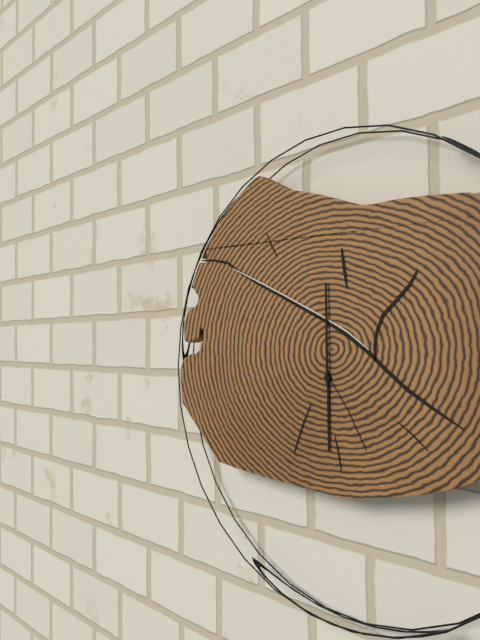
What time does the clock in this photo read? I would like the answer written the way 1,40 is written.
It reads 6,00
